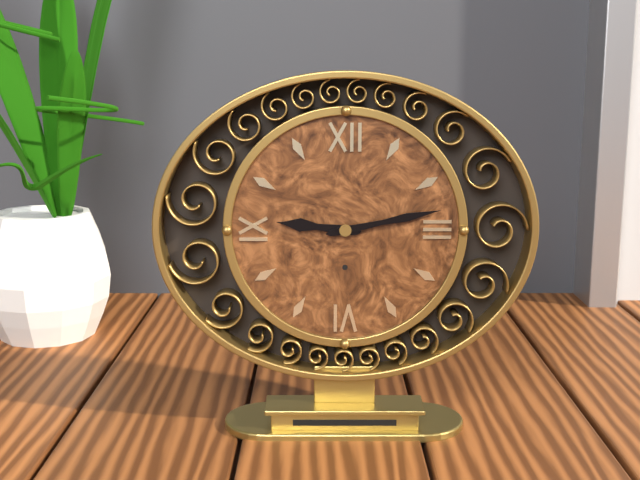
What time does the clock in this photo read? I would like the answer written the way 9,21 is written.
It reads 9,13
